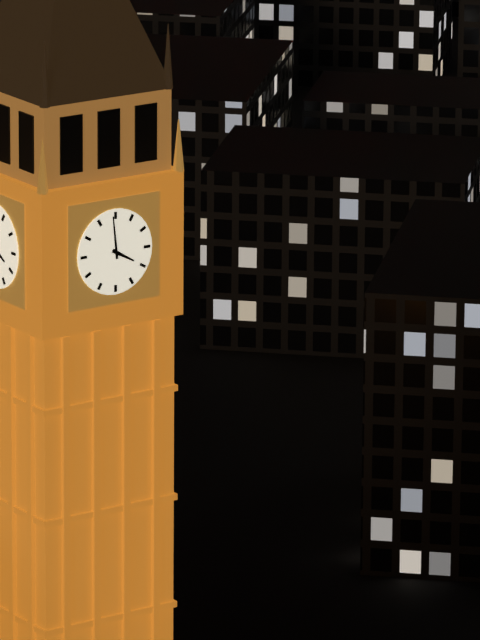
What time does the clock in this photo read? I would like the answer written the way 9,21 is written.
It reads 3,59
